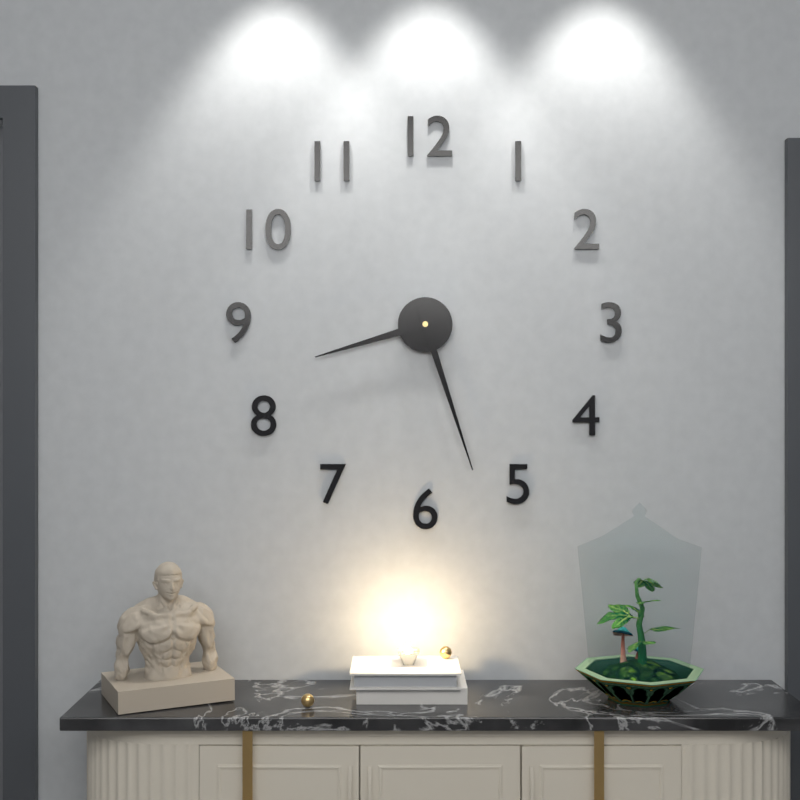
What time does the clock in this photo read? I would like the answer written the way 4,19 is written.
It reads 8,27
